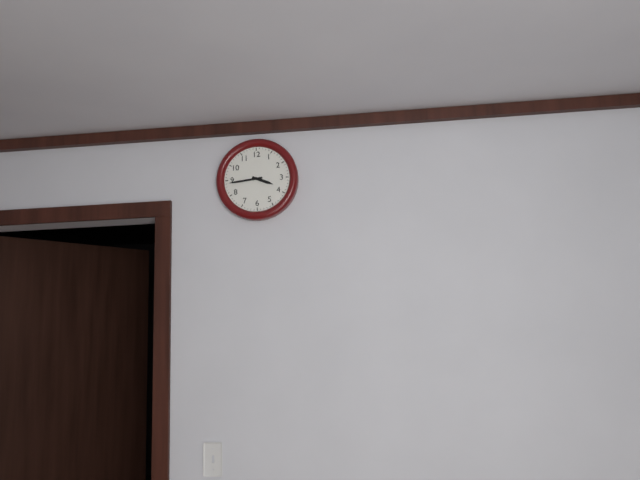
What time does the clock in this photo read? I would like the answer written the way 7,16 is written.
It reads 3,44
